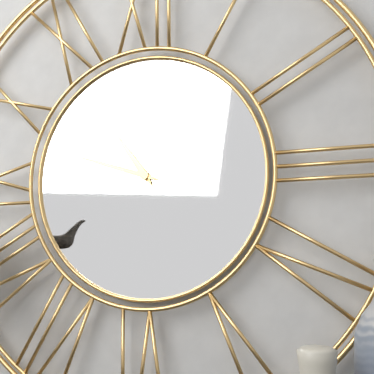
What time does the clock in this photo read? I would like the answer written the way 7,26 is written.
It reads 10,48
